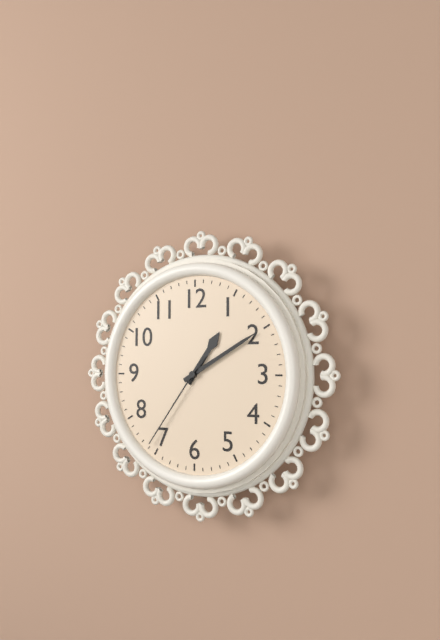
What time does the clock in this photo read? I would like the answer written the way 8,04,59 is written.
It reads 1,10,36
